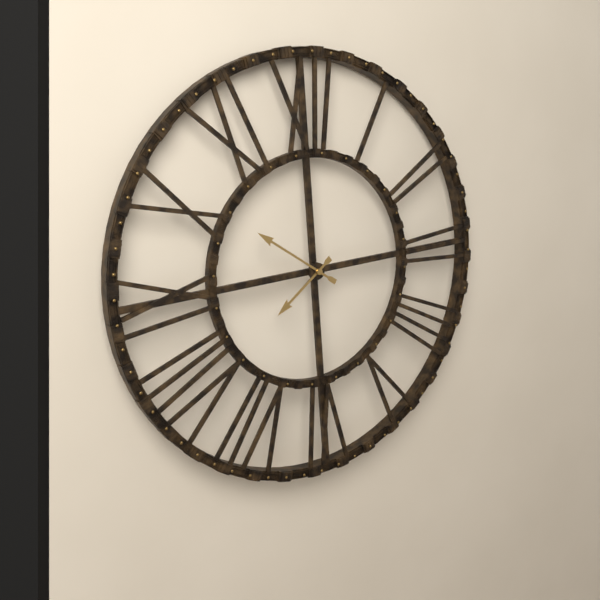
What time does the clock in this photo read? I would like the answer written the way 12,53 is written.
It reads 7,51
